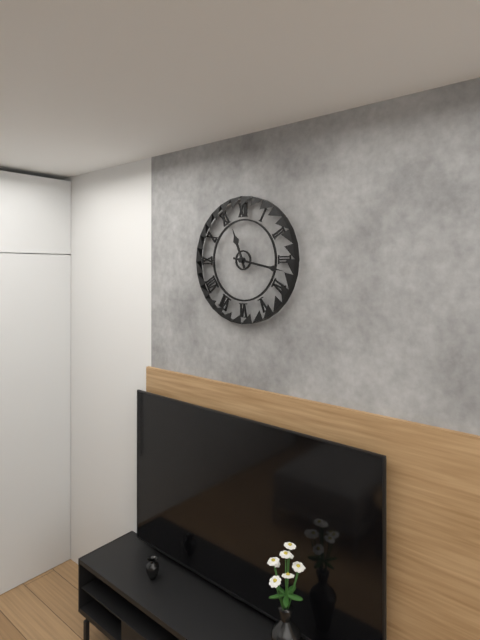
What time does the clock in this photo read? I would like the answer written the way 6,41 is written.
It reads 11,17
